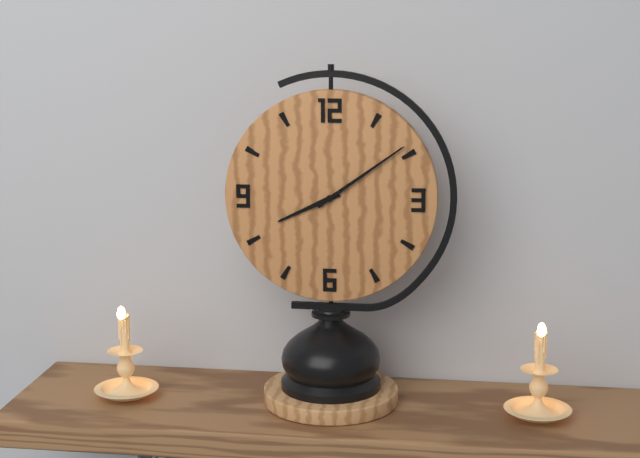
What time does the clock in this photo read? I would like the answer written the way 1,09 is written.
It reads 8,09
